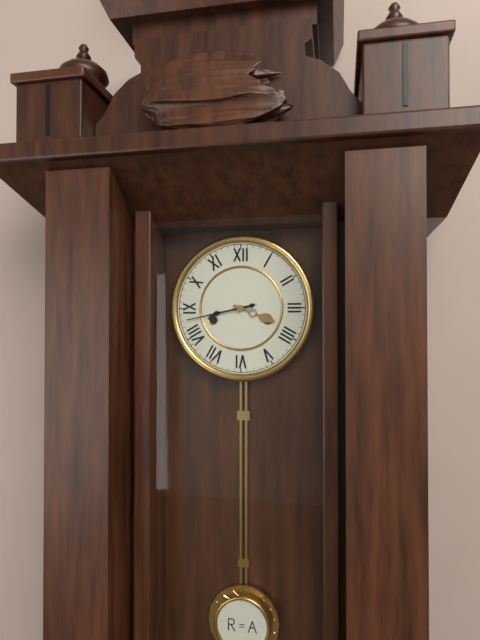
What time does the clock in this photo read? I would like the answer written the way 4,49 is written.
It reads 3,43
